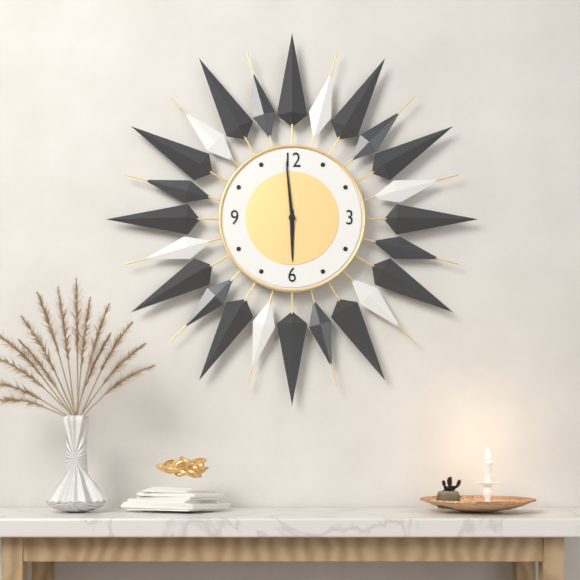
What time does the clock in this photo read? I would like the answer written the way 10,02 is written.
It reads 5,59
